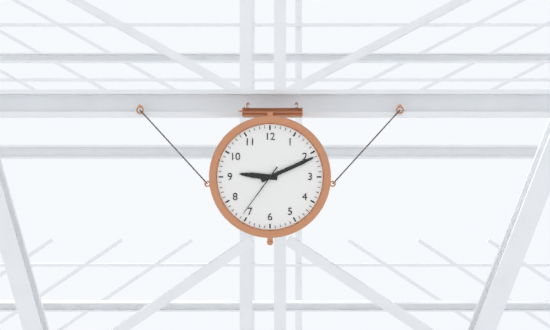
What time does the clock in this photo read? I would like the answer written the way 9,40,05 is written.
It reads 9,11,36
